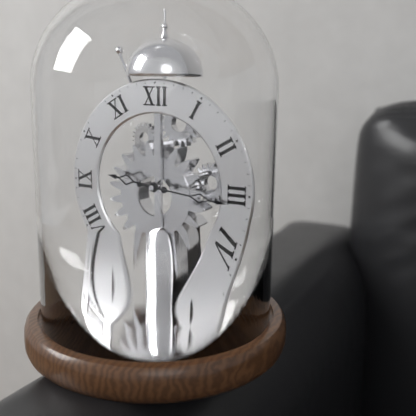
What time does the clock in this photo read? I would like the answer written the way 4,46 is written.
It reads 9,16
